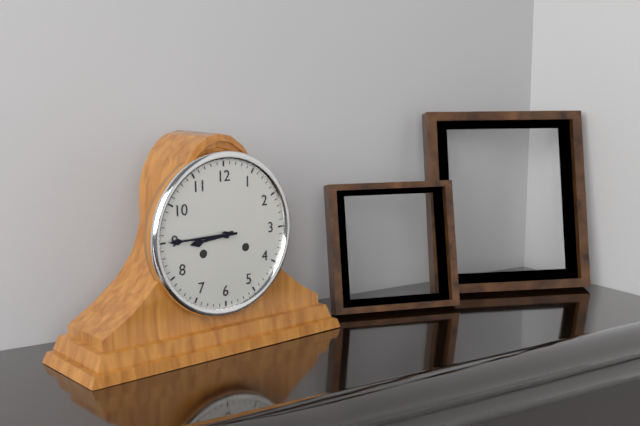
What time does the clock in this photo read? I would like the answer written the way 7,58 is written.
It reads 8,45
